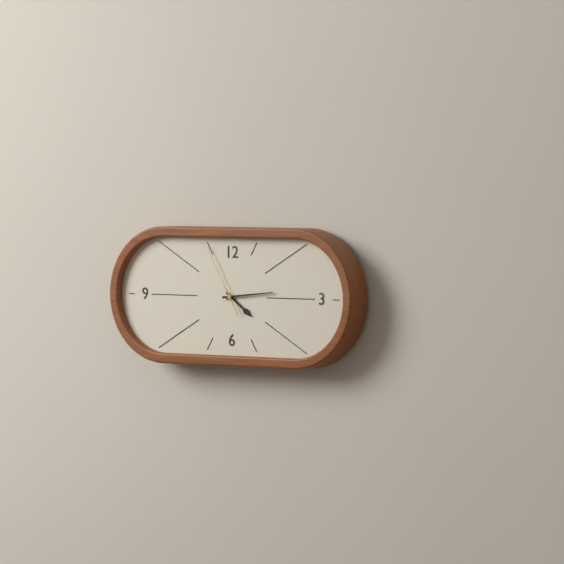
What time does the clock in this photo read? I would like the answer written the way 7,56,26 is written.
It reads 4,14,55
